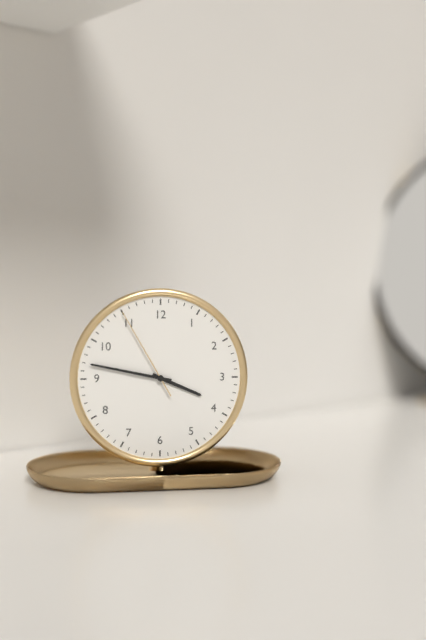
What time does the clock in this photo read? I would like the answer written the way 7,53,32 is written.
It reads 3,47,55
